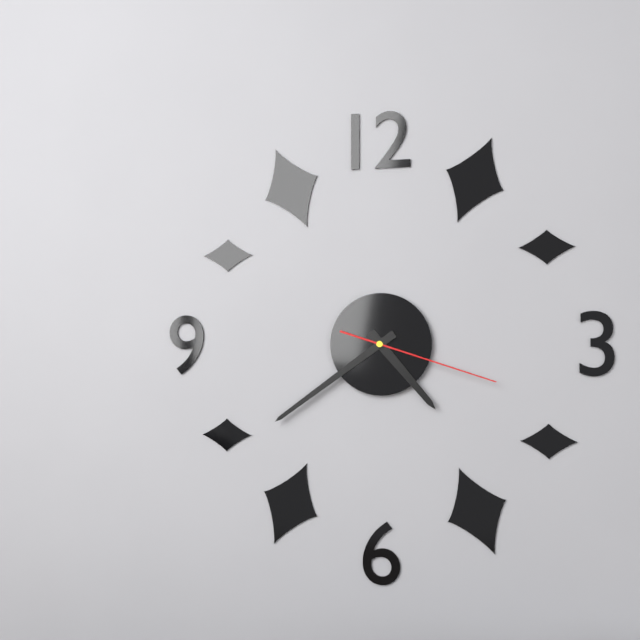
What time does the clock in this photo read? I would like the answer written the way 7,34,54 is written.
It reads 4,39,18
